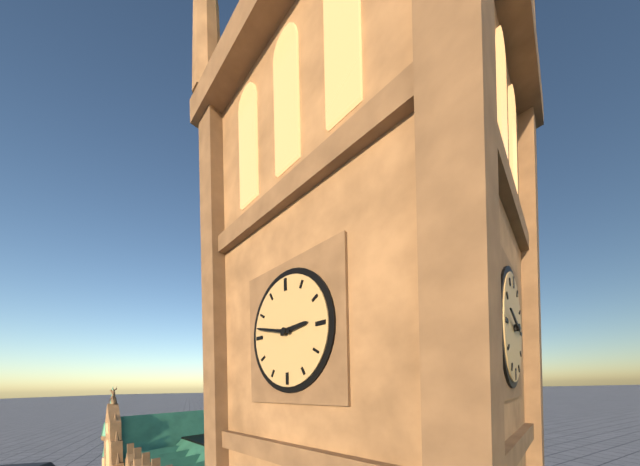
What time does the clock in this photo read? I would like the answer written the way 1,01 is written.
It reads 2,47
